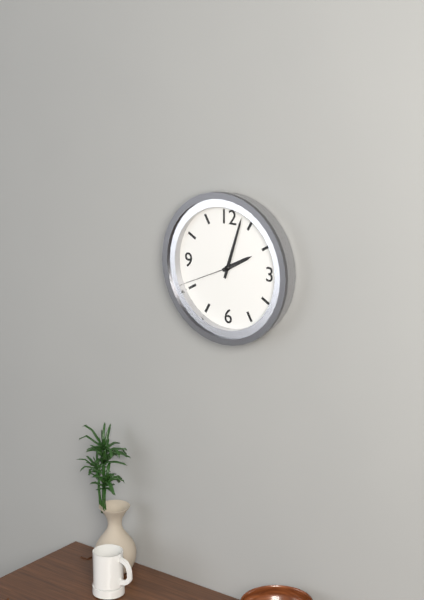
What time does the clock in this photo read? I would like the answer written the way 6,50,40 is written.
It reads 2,03,41
